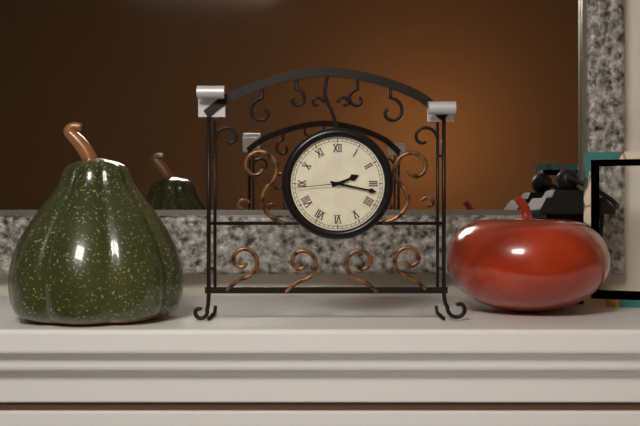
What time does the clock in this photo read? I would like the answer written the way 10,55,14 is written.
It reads 2,17,44
